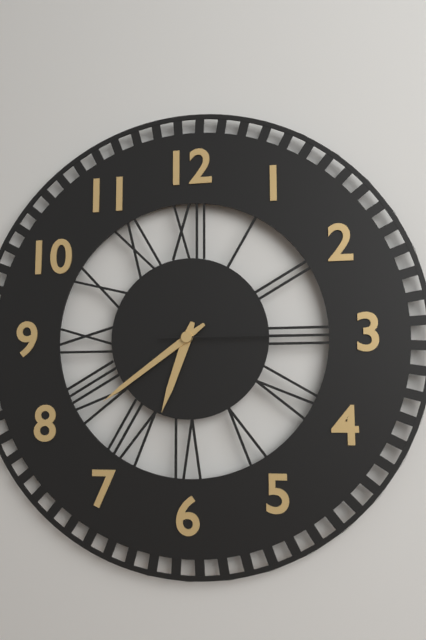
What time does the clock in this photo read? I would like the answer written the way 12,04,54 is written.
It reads 6,39,15
